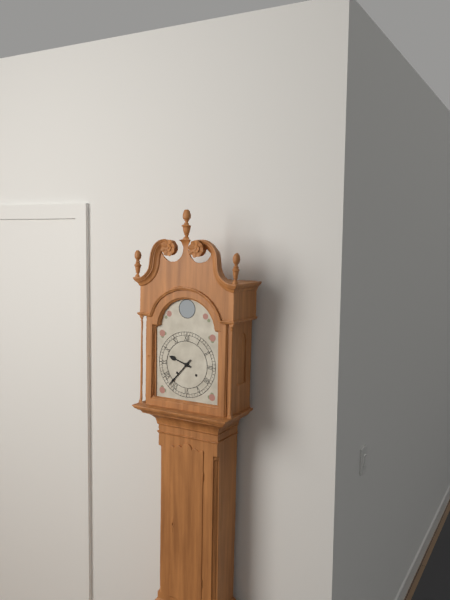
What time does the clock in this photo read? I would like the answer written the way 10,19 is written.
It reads 9,37
